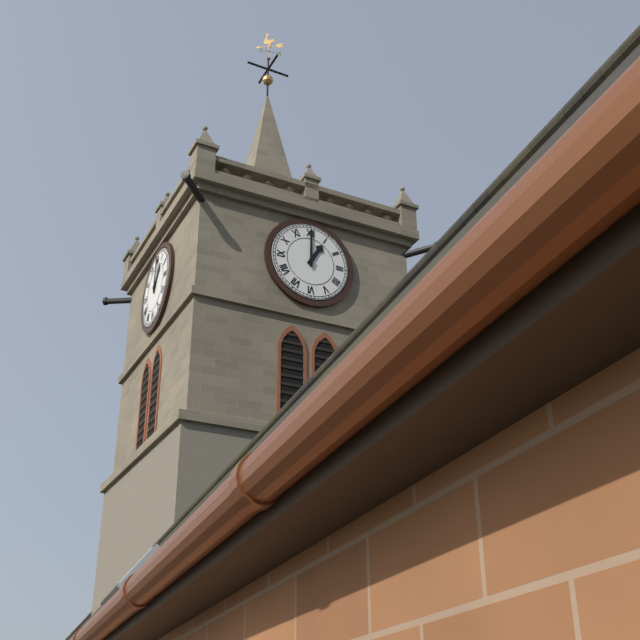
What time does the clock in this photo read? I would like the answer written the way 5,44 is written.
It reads 1,00
